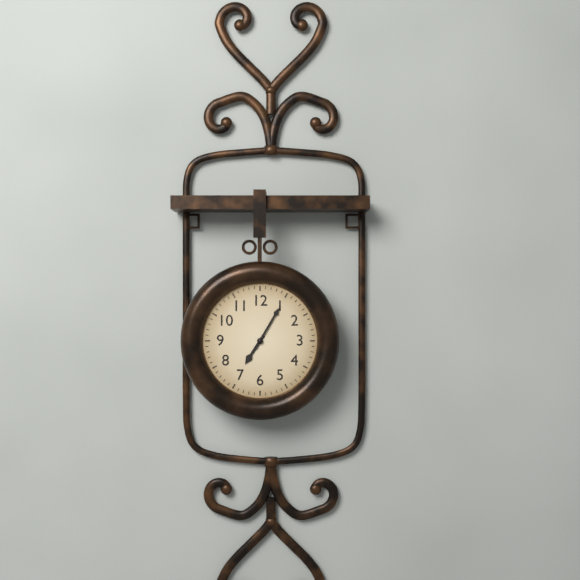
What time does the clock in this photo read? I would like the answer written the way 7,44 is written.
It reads 7,05
